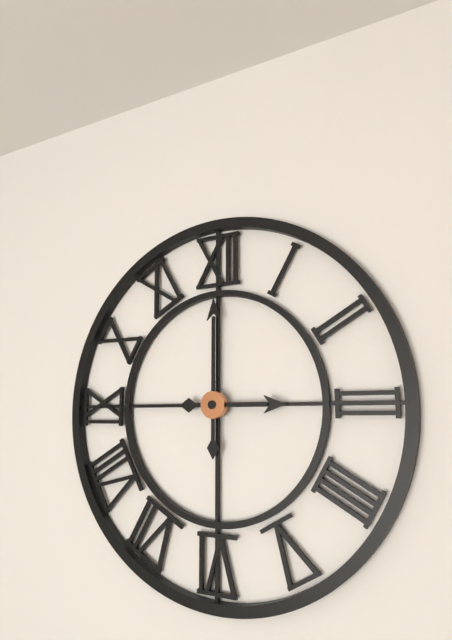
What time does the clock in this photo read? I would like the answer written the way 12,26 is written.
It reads 3,00
